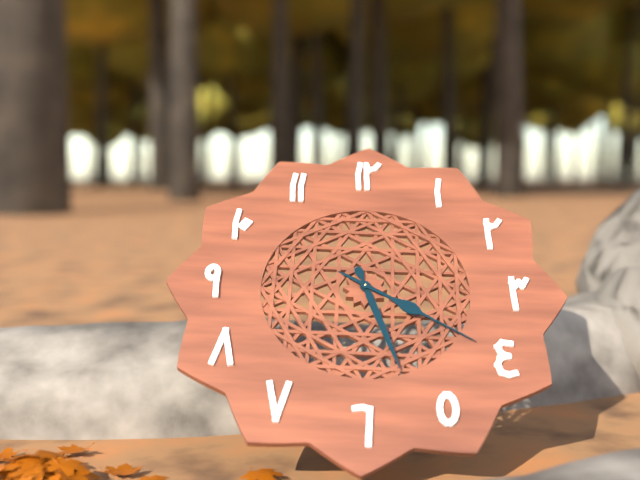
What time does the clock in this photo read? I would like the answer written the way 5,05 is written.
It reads 5,20
